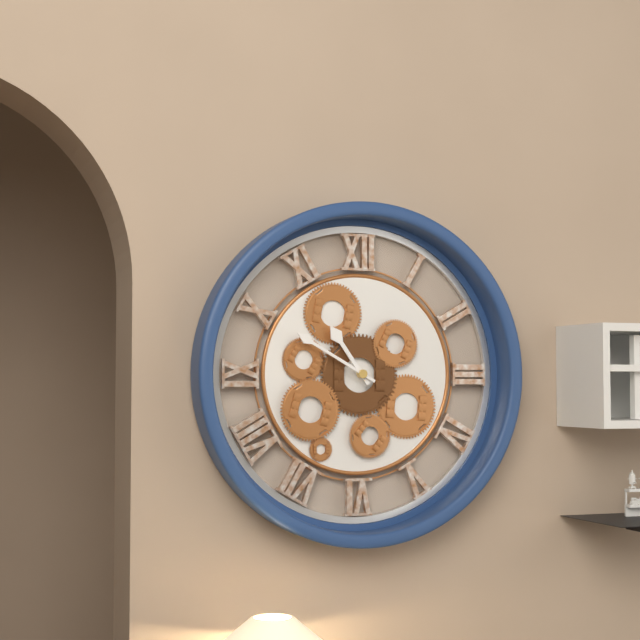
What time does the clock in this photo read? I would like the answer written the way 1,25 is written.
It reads 10,50
